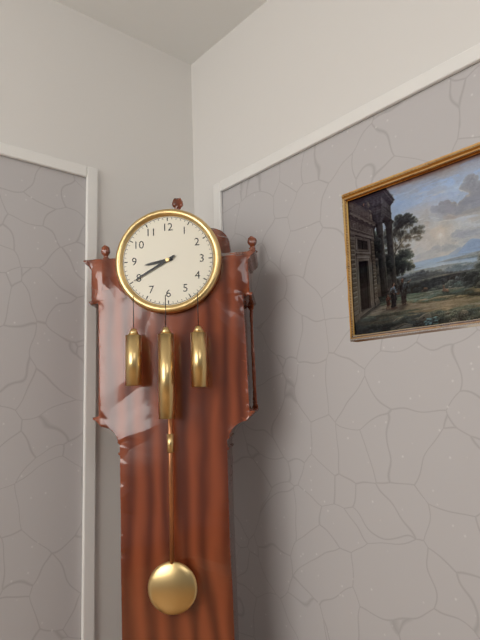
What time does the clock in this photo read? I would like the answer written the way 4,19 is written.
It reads 8,40
